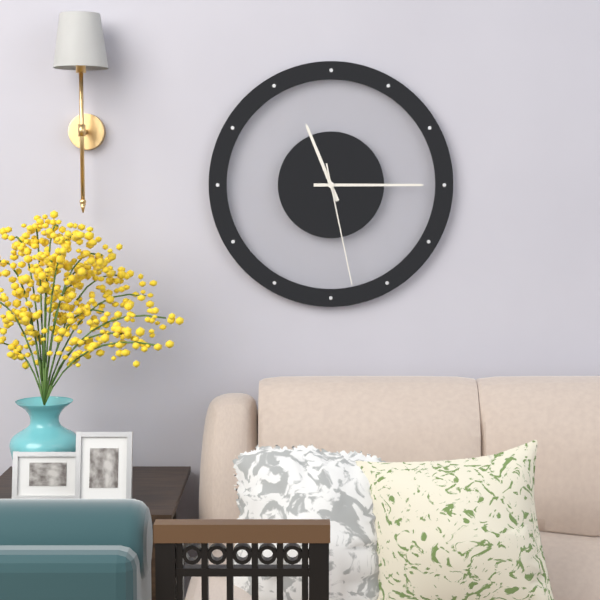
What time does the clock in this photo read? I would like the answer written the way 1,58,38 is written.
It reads 11,15,28
